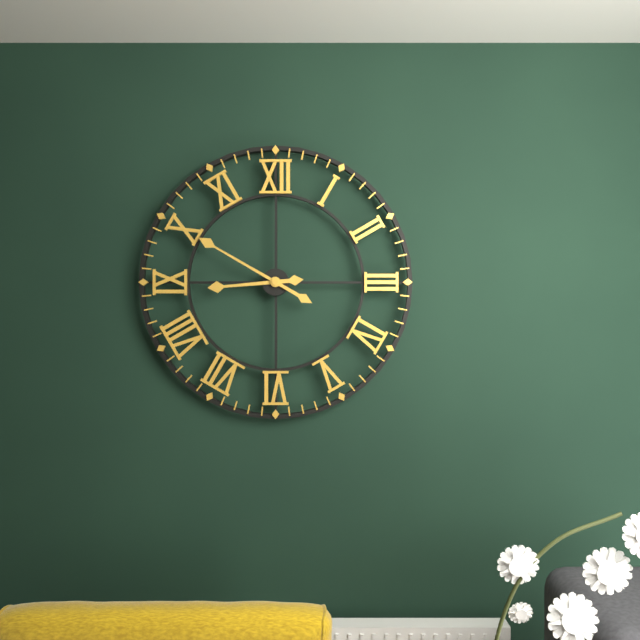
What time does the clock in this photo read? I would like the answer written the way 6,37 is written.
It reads 8,50
